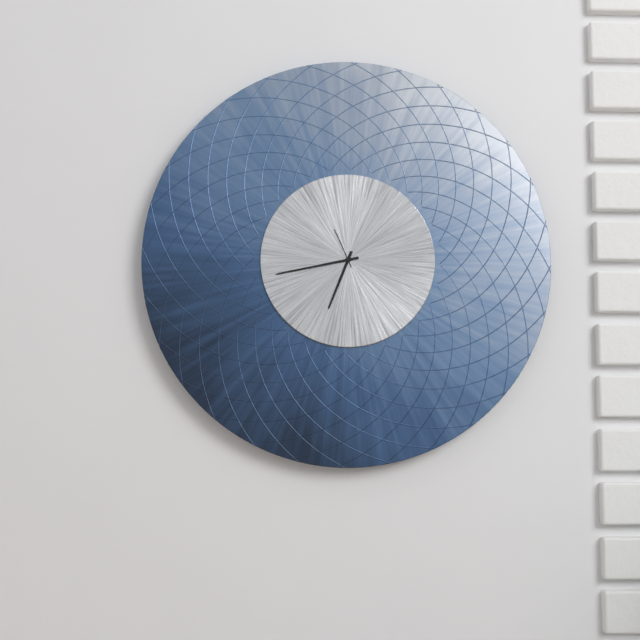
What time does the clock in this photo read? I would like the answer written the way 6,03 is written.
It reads 6,43
